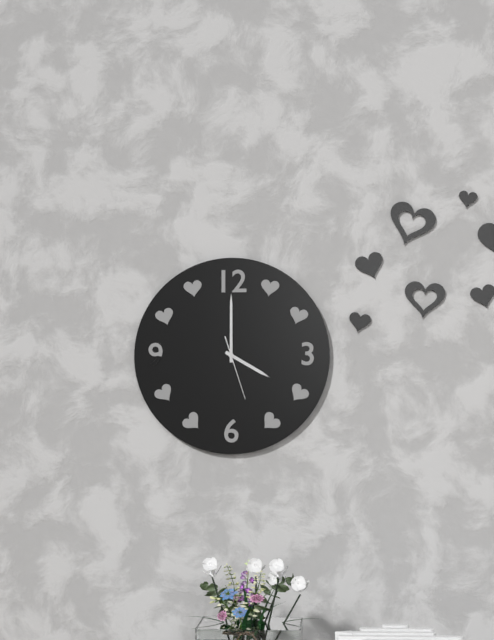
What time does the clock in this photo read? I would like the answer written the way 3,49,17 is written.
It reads 4,00,27
